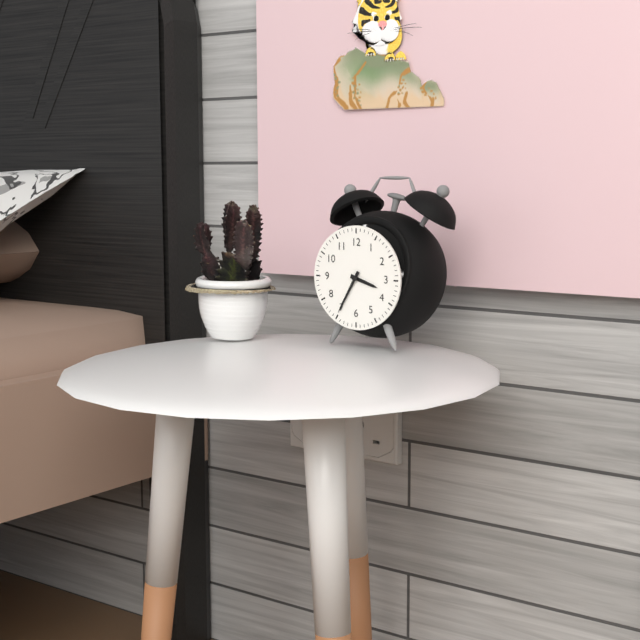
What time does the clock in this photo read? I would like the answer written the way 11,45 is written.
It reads 3,35
